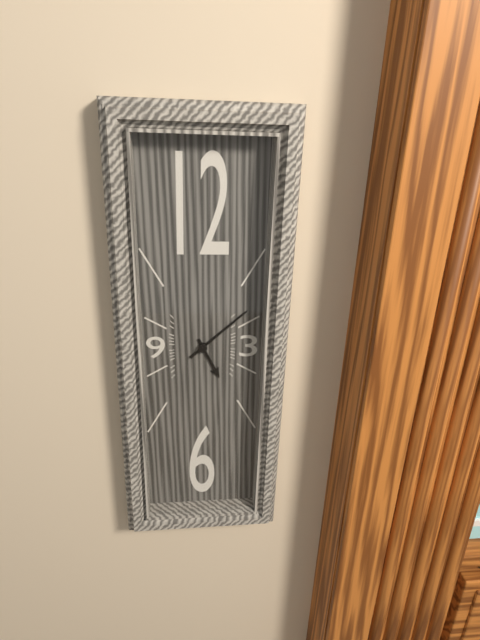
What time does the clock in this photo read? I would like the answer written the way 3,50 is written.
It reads 5,08
